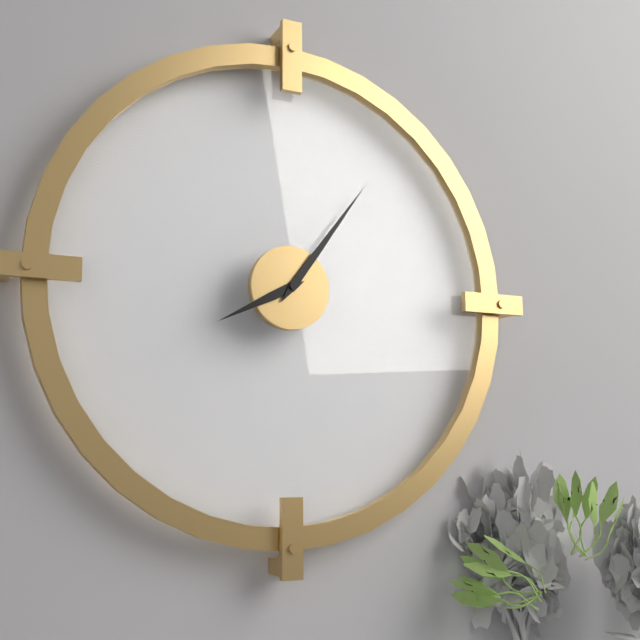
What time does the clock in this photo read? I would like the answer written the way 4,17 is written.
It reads 8,06
